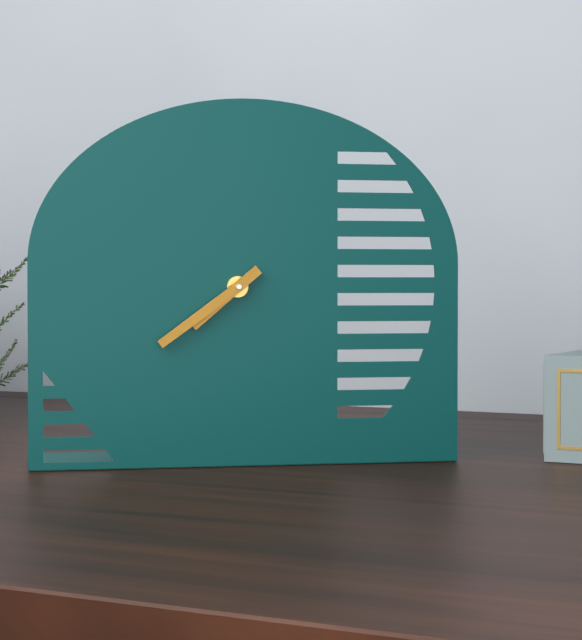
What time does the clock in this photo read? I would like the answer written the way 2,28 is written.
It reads 7,39
